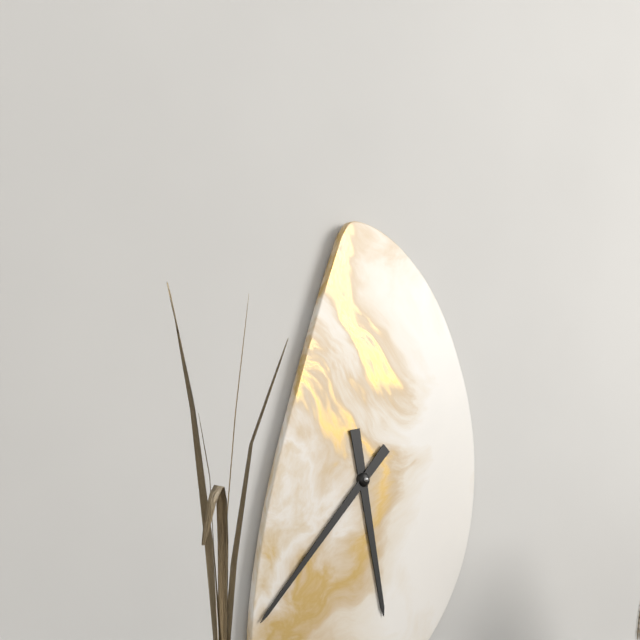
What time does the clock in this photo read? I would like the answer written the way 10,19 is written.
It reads 5,37
